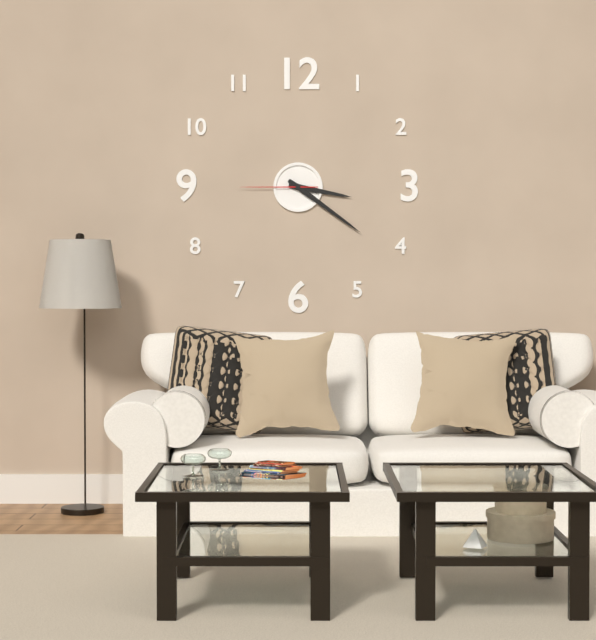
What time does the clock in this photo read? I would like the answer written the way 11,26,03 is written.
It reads 3,21,45
